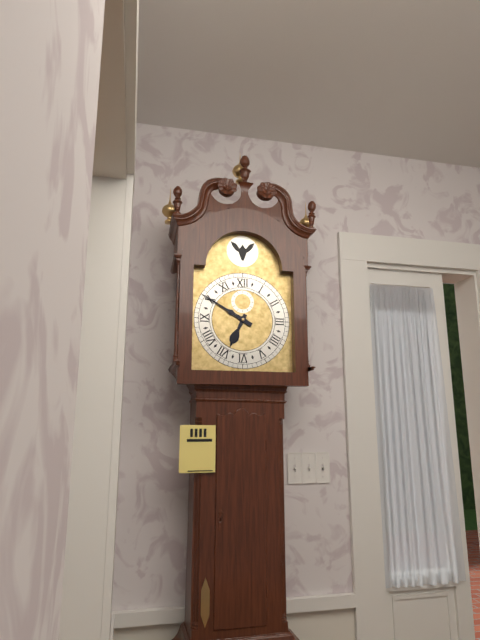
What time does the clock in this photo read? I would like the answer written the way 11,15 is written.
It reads 6,50
